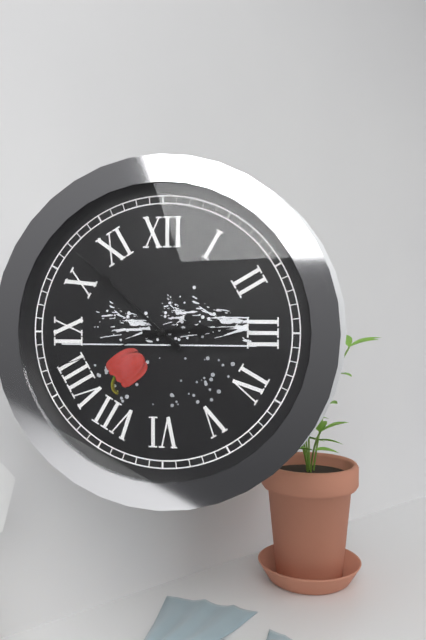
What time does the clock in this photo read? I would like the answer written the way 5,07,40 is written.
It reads 2,52,42
